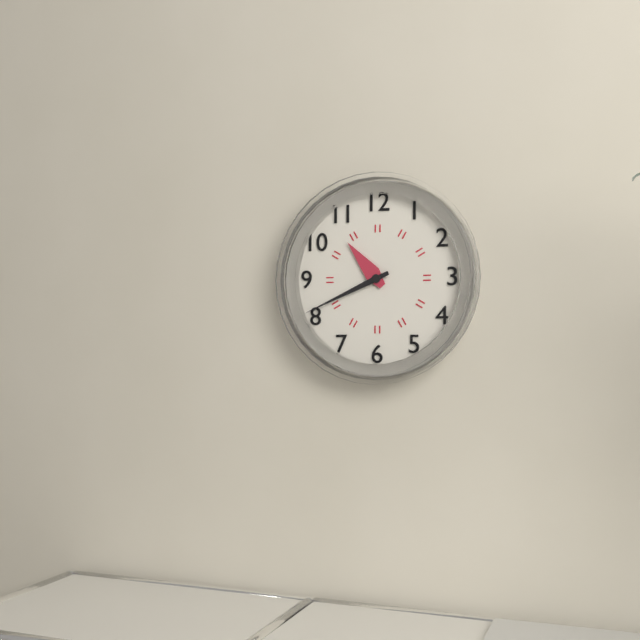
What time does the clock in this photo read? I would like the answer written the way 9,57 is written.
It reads 10,41
